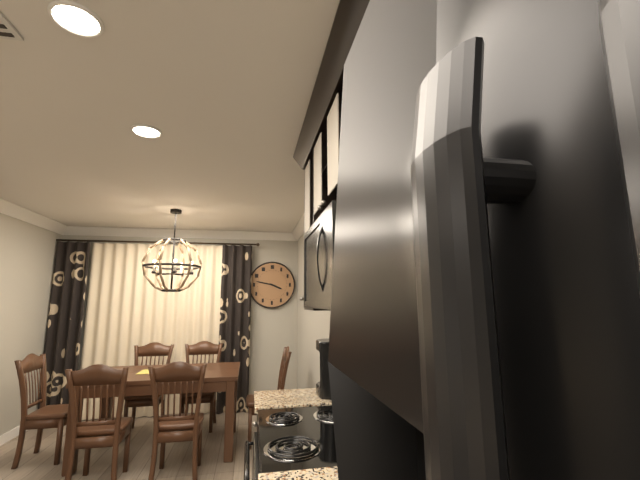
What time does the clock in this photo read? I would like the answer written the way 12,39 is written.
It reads 3,47
